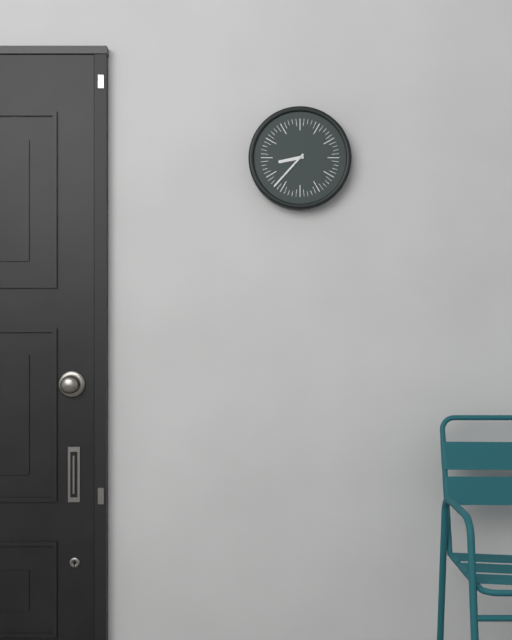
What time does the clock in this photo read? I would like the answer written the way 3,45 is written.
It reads 8,37
